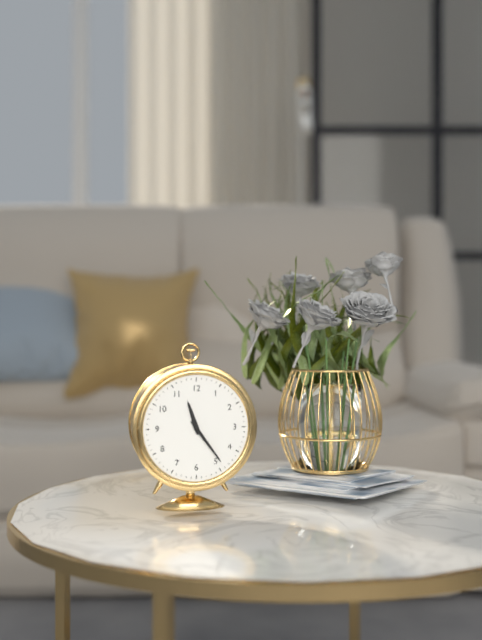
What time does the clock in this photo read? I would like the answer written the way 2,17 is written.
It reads 11,24
